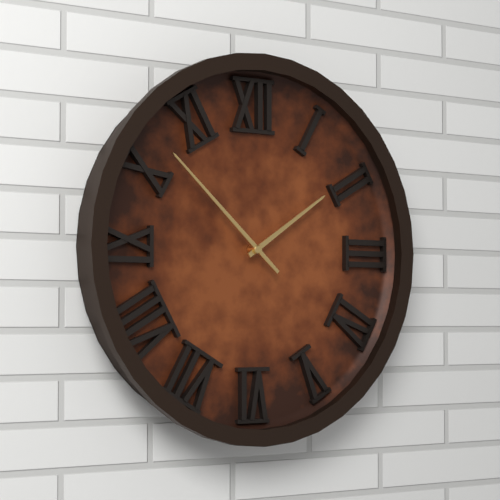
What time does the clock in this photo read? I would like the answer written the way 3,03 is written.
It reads 1,52
